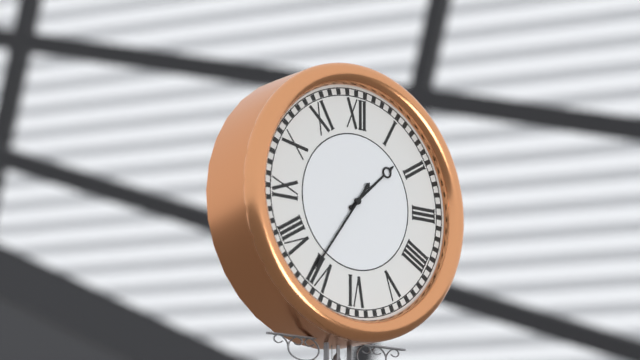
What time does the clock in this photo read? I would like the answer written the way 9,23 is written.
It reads 1,36
